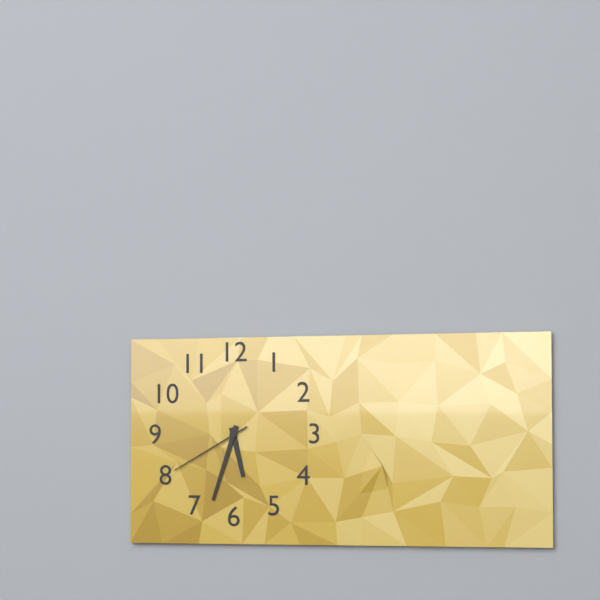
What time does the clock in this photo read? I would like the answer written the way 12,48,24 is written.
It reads 5,33,40
